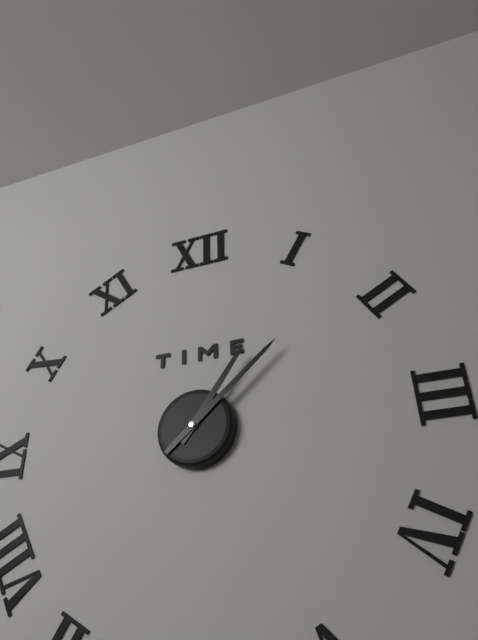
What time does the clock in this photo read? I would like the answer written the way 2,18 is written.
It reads 1,08
